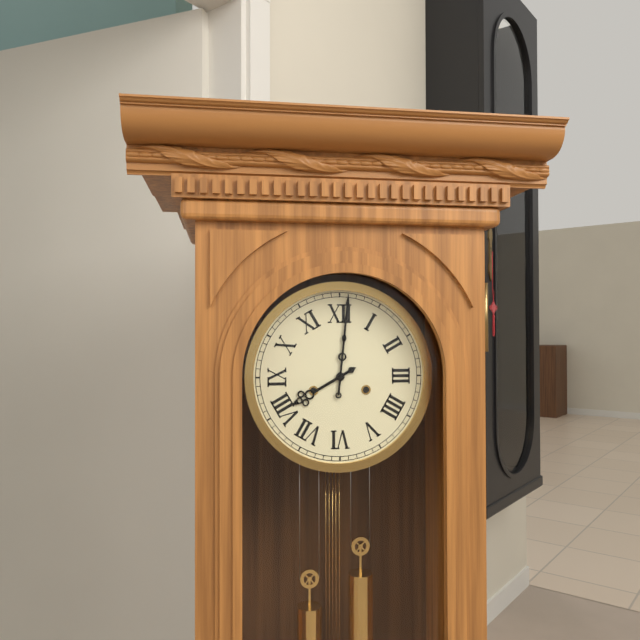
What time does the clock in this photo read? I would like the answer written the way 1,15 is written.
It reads 8,01
